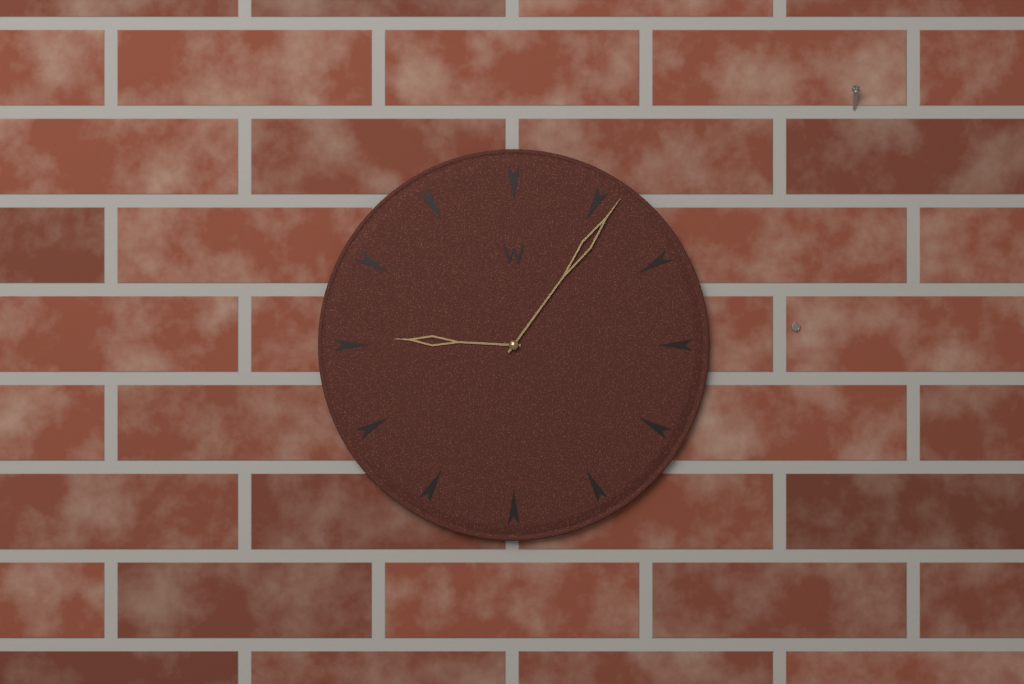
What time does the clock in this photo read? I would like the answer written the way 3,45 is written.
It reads 9,06
